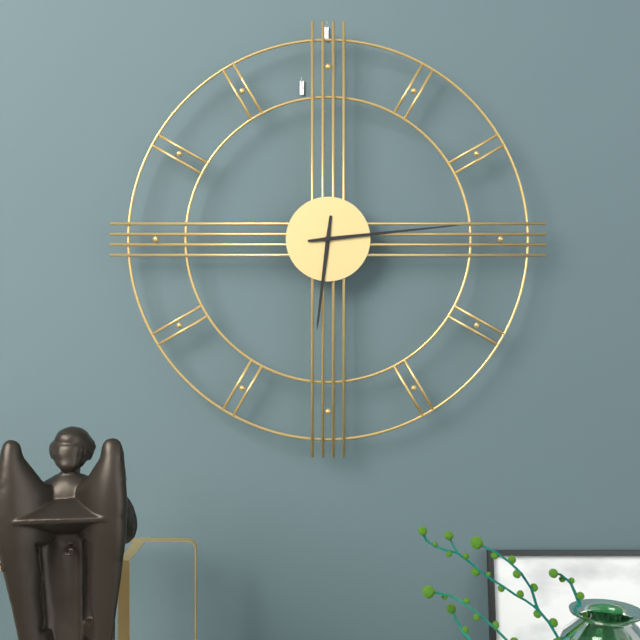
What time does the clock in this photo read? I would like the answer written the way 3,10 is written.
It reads 6,14
